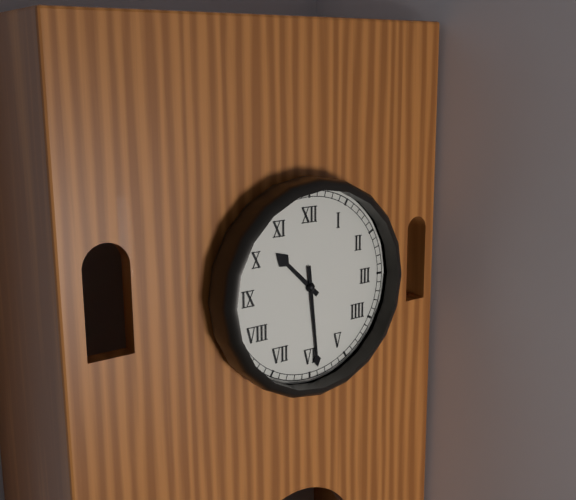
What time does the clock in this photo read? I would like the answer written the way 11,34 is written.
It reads 10,29
